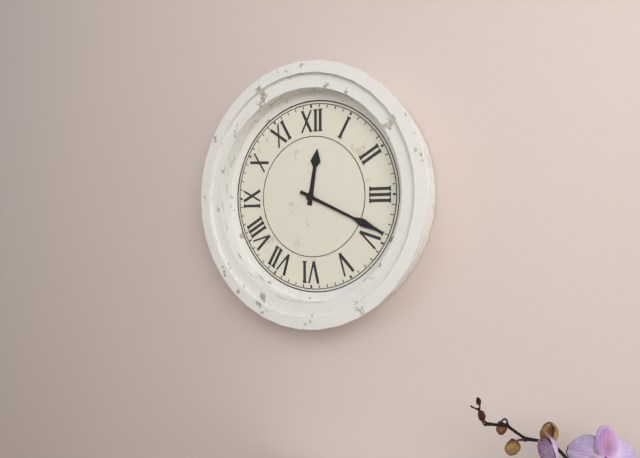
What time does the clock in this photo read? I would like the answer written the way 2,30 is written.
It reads 12,19
